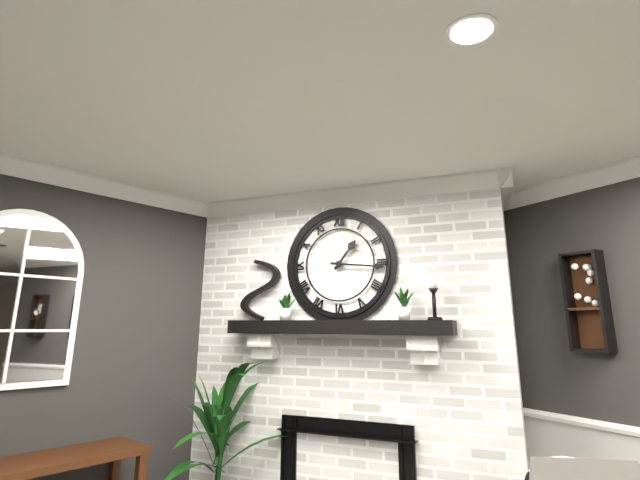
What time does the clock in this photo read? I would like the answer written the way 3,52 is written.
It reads 1,16
